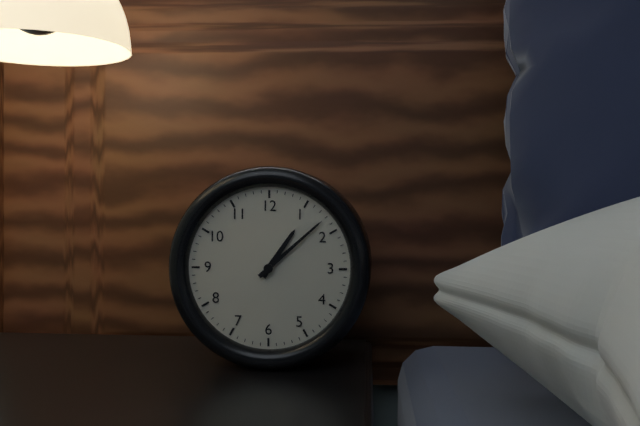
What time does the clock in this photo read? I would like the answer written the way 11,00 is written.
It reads 1,08
